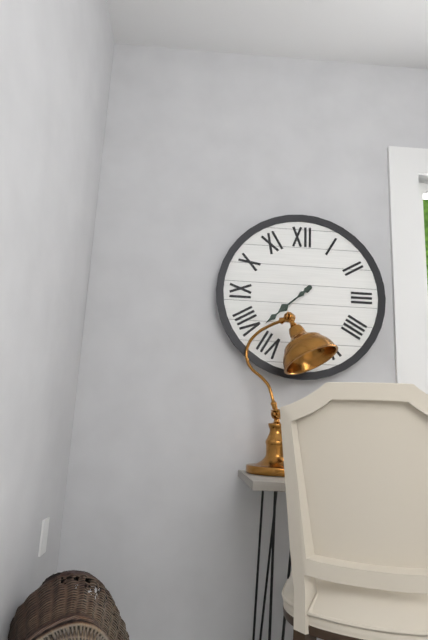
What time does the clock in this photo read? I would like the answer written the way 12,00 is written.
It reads 7,38
